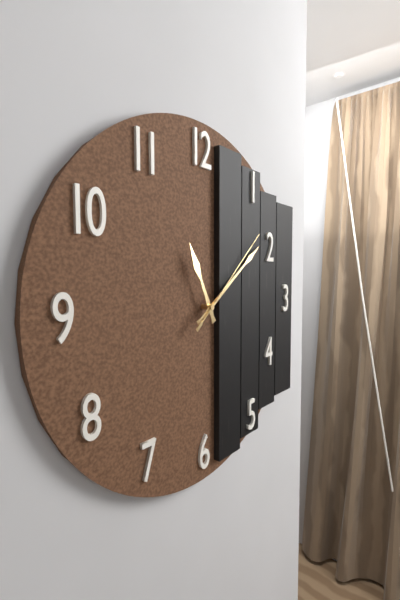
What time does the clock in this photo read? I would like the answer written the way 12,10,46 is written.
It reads 11,09,08
